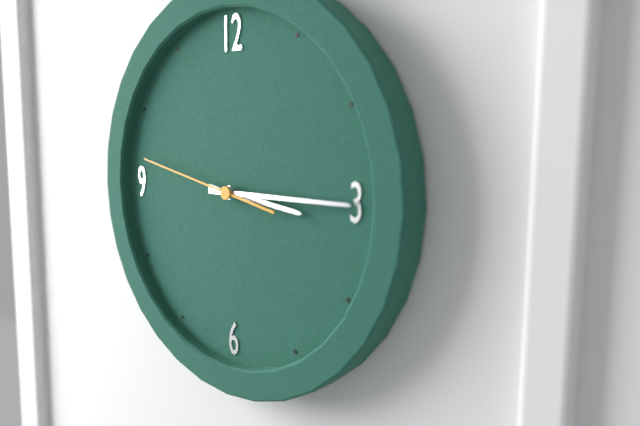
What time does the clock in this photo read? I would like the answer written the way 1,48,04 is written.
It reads 3,15,47
